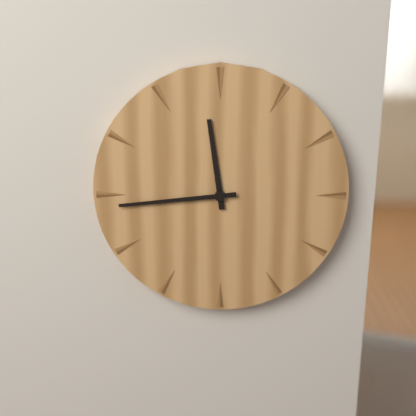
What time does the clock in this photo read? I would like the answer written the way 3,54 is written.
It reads 11,44
